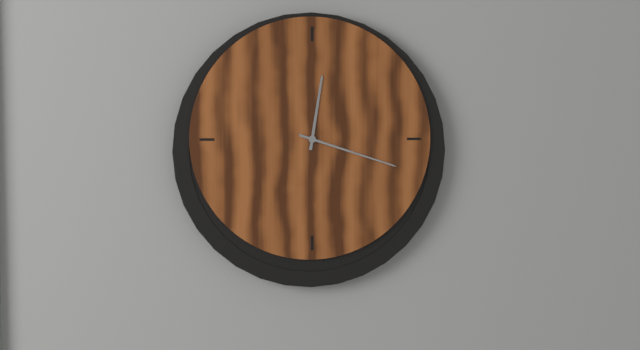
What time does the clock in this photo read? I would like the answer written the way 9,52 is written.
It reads 12,18
